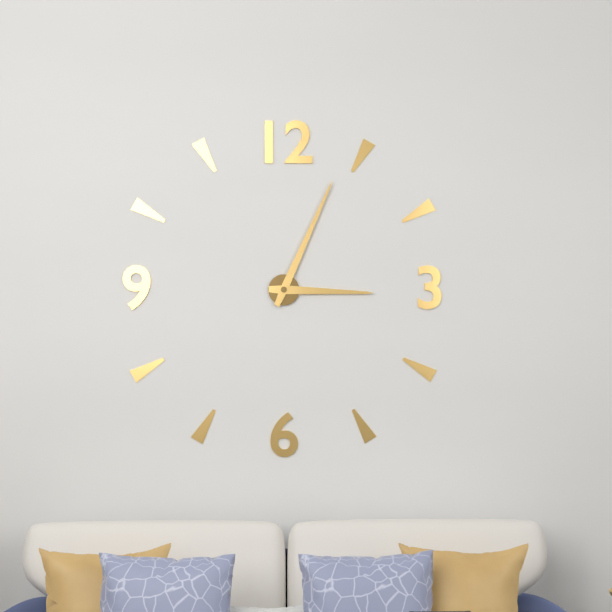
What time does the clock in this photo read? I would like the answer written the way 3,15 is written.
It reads 3,04
